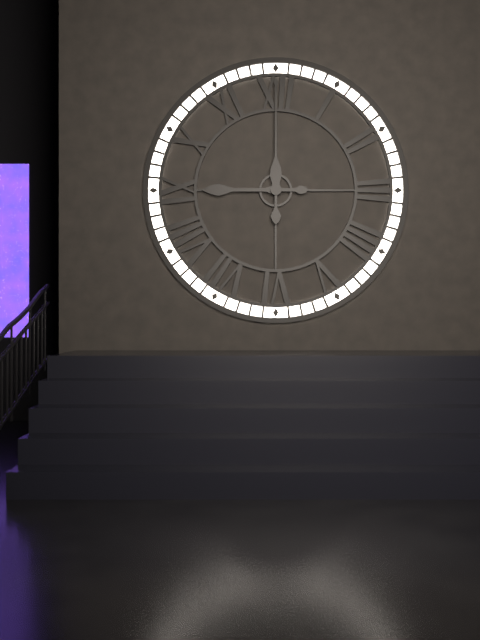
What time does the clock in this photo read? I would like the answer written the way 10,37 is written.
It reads 9,00
